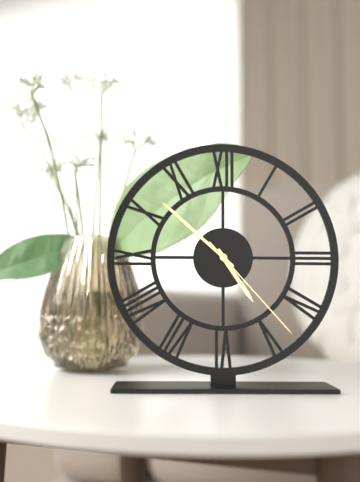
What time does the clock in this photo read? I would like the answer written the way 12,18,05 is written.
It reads 4,52,23
